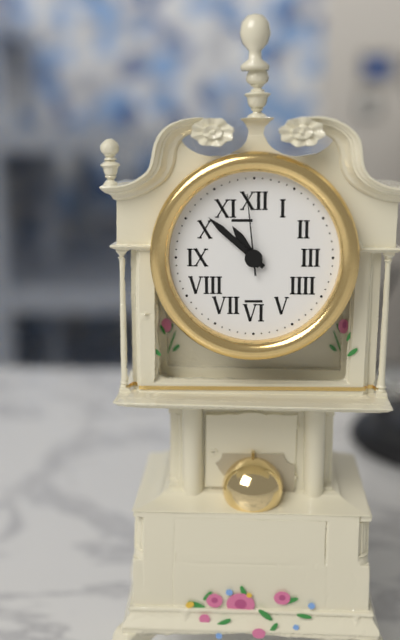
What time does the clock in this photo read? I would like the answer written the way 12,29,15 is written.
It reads 10,52,59
